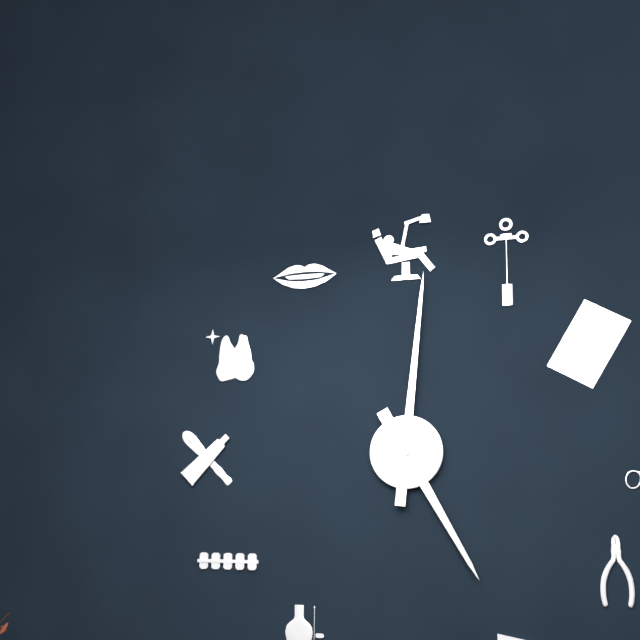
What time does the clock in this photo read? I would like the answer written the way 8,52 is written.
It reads 5,01
